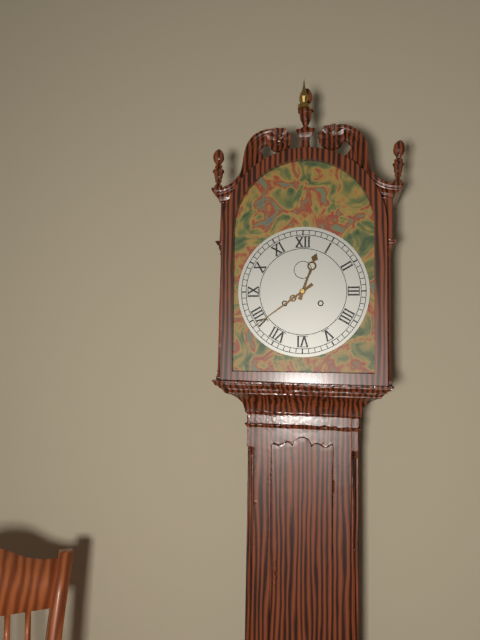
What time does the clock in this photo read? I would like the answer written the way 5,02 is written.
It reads 12,39
